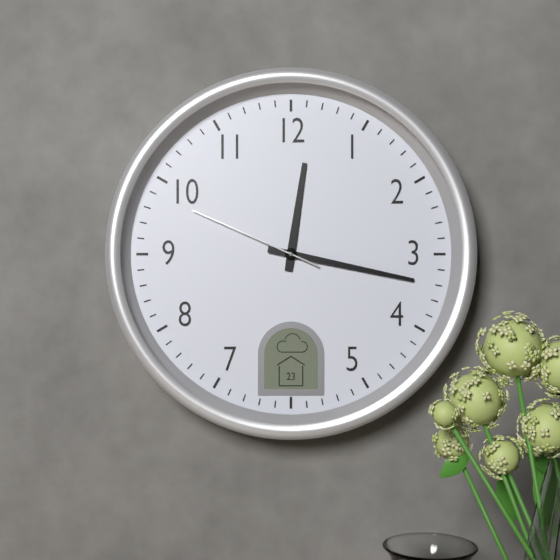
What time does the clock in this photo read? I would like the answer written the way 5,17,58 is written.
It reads 12,17,49
